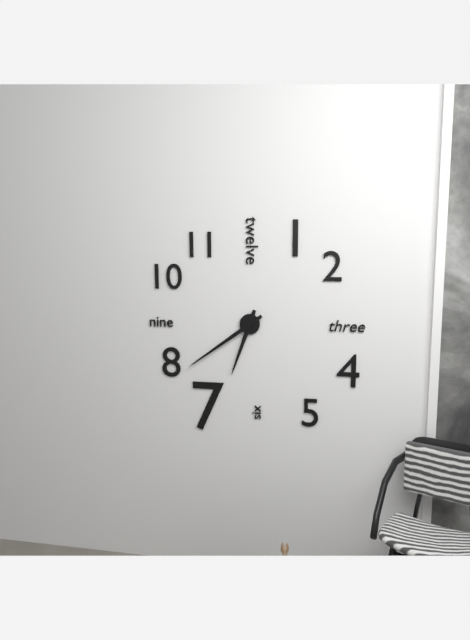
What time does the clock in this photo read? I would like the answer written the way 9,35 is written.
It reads 6,39
